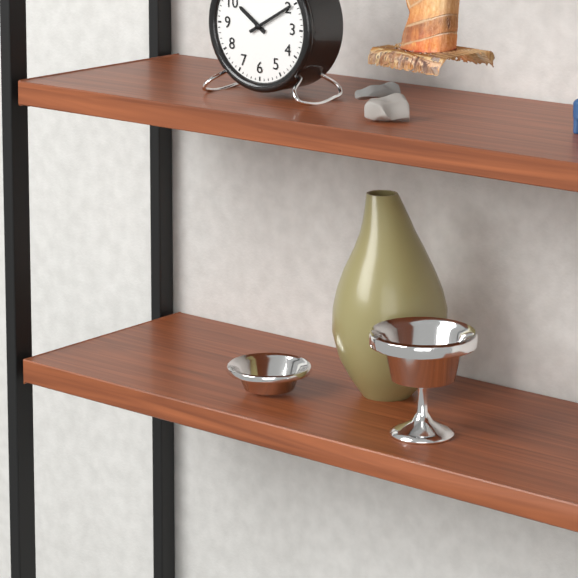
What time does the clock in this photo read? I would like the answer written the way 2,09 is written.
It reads 10,10
